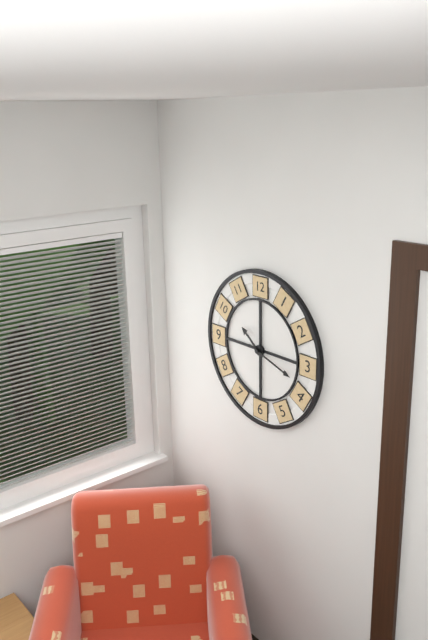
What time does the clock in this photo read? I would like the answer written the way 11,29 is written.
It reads 10,18
